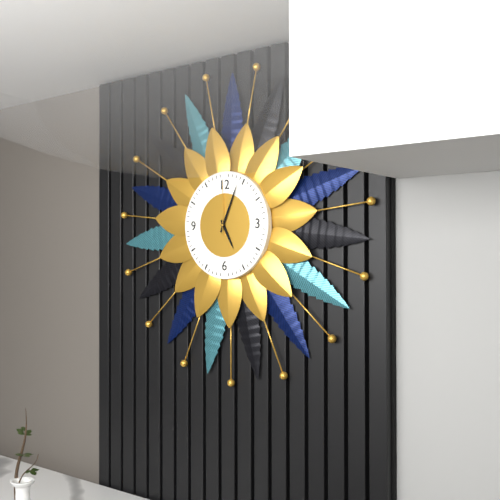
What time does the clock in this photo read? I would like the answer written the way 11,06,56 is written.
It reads 5,04,00
